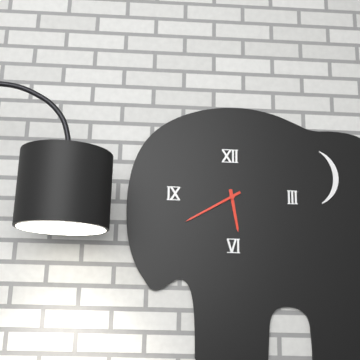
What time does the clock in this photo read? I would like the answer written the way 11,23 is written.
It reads 5,40
